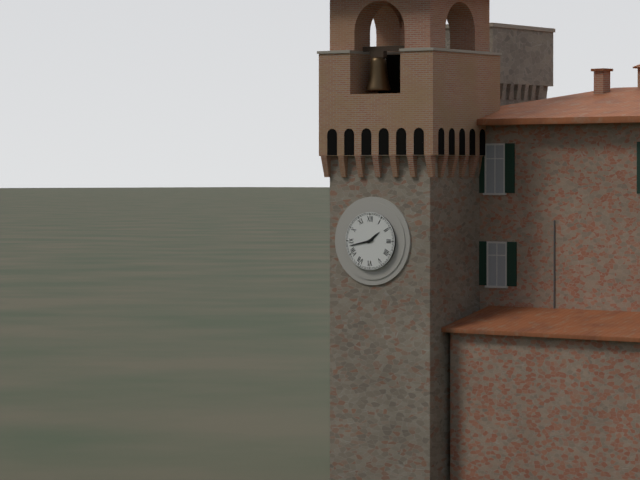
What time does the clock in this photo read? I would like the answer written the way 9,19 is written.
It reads 1,43
